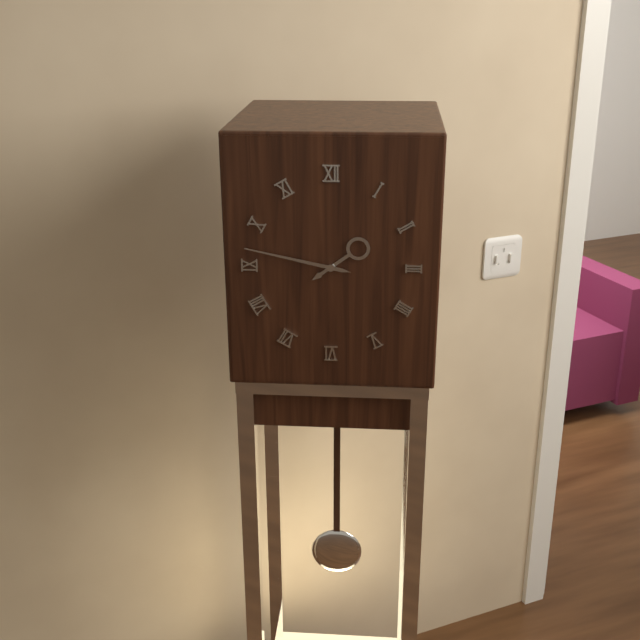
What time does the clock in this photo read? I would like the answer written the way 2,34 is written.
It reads 1,47
